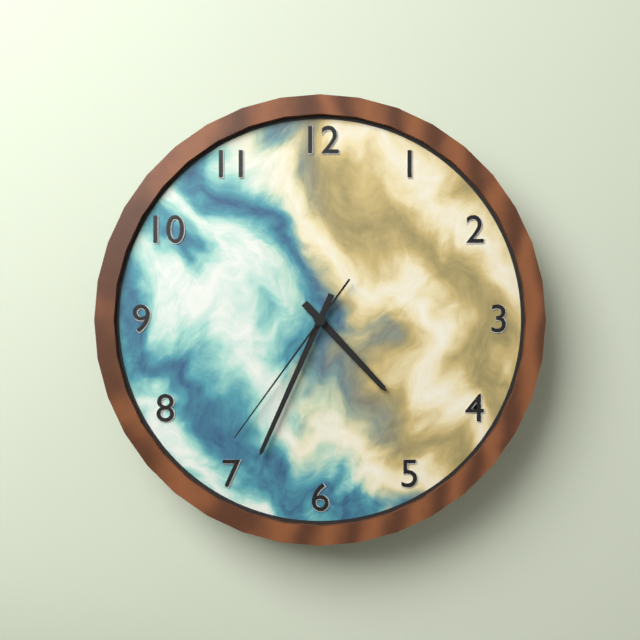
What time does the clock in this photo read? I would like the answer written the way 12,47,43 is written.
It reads 4,34,36
